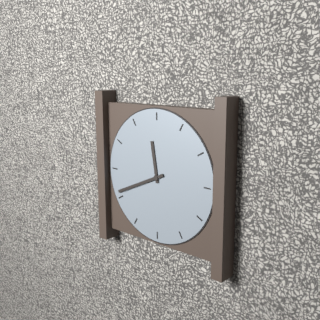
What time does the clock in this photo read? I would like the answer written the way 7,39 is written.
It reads 11,41
